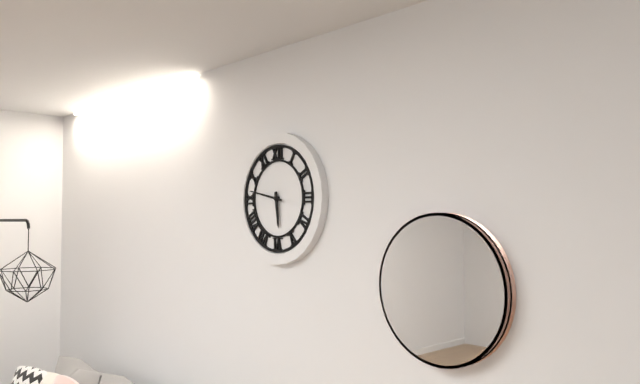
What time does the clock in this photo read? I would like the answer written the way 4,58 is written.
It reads 5,47
